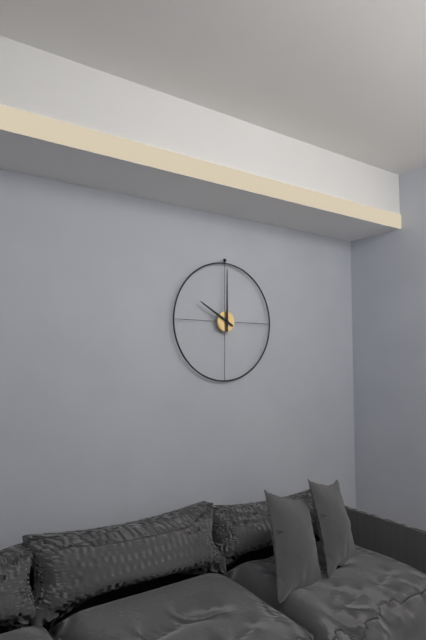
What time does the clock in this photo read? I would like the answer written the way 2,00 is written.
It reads 10,00
